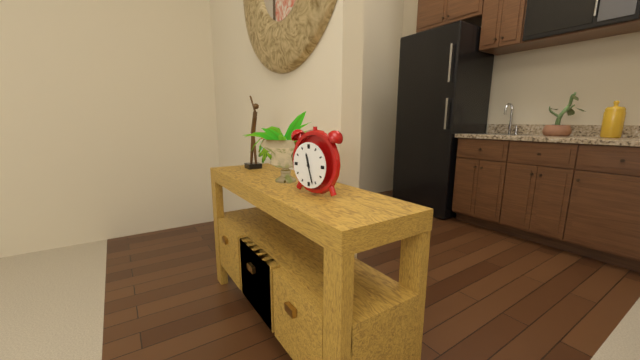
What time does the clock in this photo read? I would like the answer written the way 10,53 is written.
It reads 11,27
